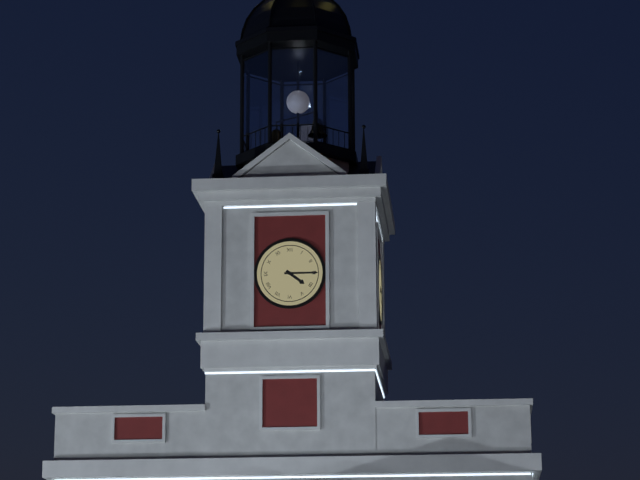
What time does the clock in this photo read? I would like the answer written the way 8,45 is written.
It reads 4,15
